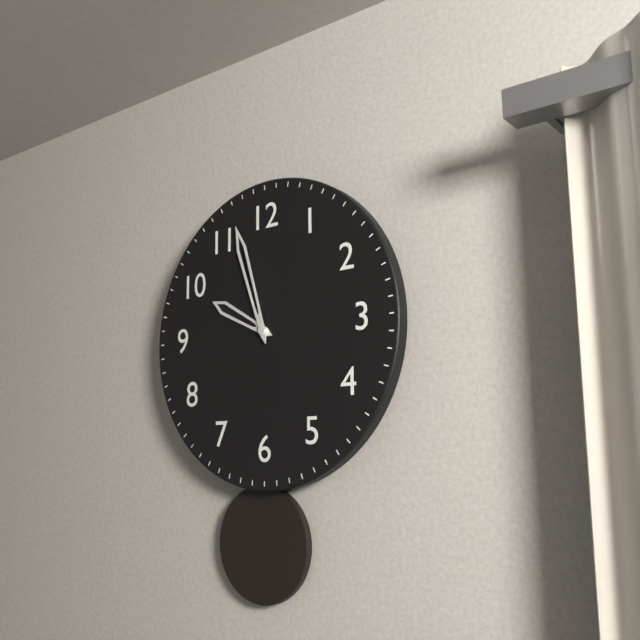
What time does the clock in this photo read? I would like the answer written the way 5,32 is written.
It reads 9,57
